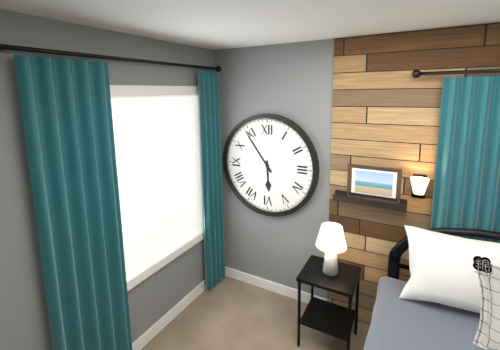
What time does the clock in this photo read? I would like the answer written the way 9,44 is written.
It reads 5,54
